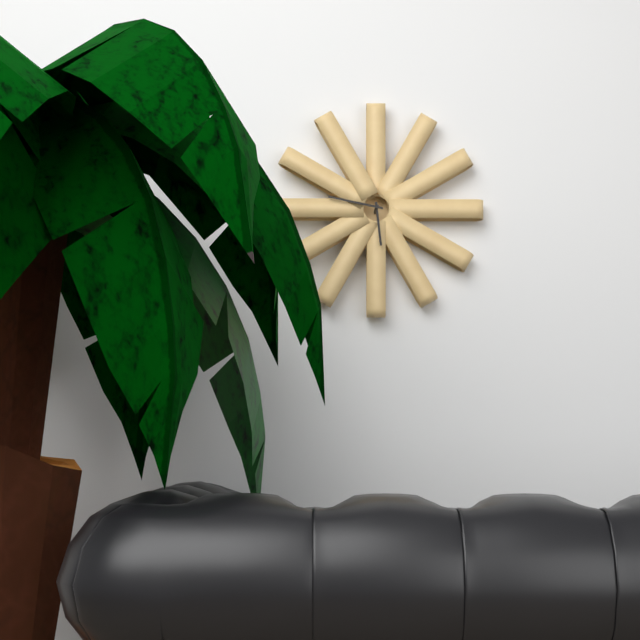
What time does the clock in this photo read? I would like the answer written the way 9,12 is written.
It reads 5,47
